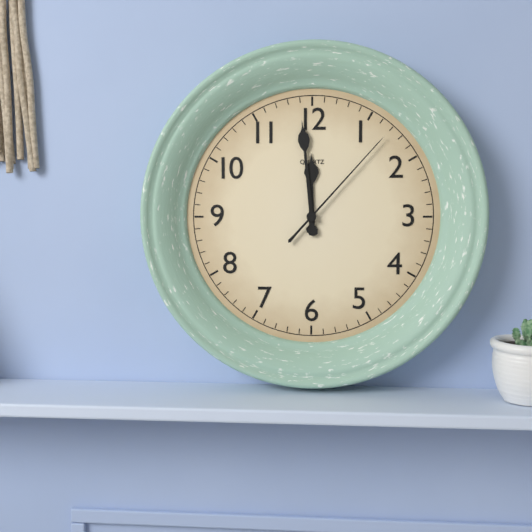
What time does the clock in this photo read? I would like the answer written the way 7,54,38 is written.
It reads 11,59,07
